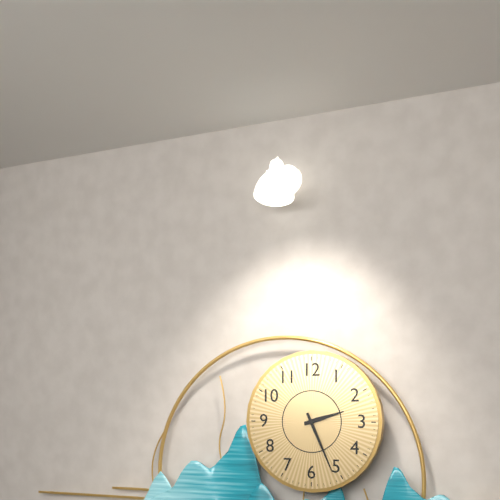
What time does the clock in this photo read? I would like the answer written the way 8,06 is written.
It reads 2,26
